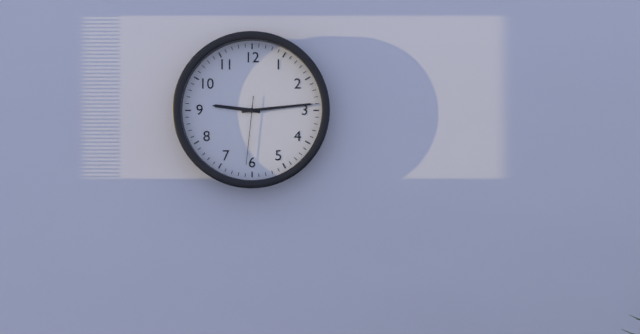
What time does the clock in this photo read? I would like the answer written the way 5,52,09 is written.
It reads 9,14,31
